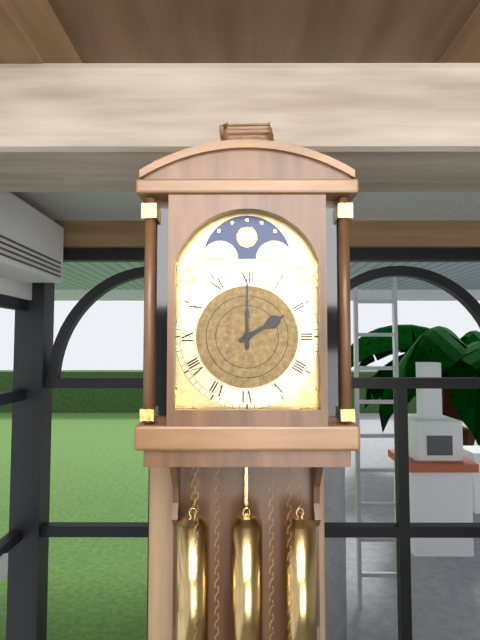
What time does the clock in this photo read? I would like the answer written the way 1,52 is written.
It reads 2,00
